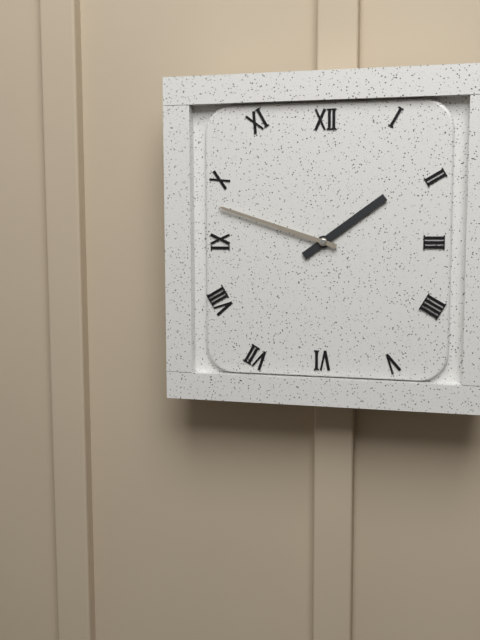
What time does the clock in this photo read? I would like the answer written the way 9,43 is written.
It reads 1,48
